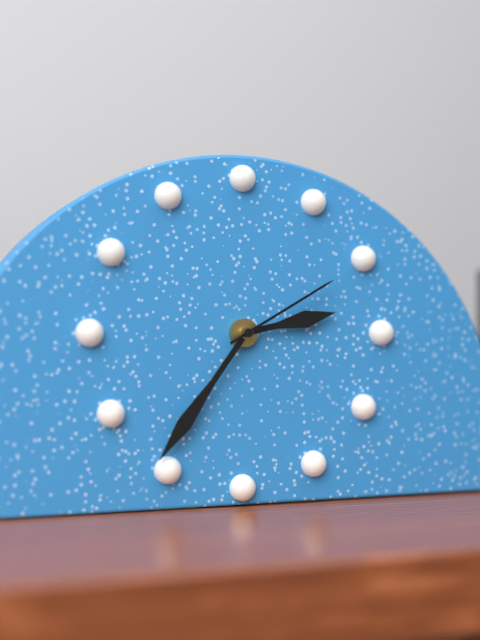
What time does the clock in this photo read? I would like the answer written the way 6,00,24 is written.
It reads 2,36,10
